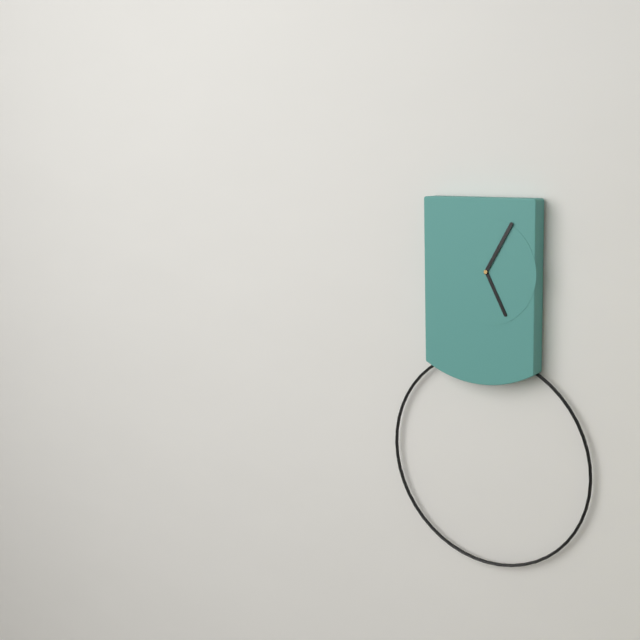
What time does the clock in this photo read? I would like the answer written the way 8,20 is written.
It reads 5,05
